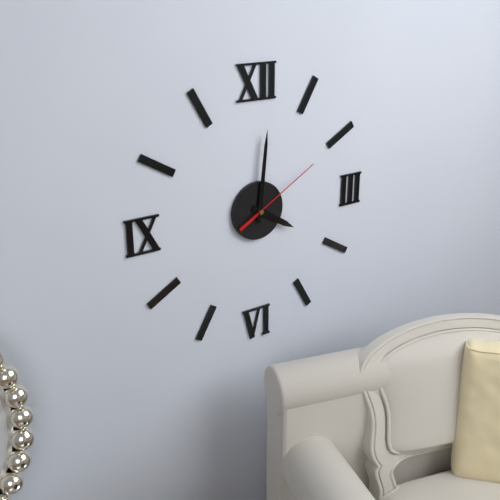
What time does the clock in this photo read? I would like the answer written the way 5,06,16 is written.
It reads 4,01,10
